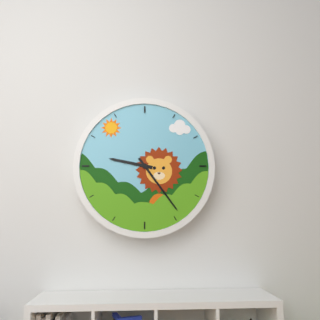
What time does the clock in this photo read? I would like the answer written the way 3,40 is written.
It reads 9,24
